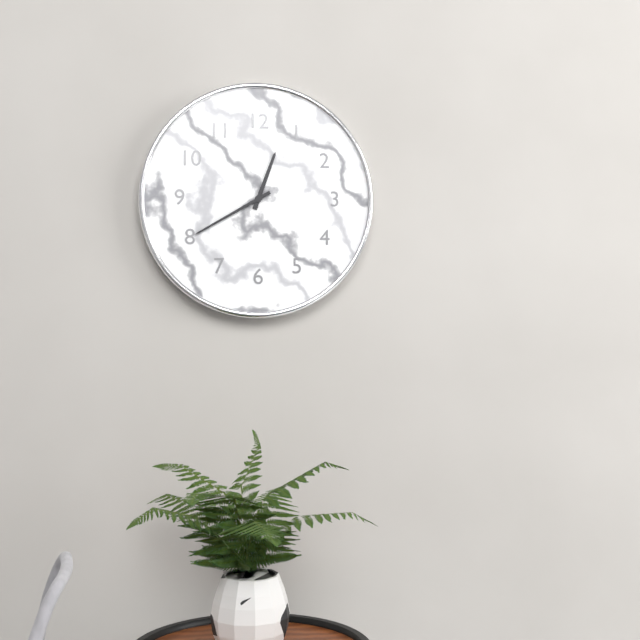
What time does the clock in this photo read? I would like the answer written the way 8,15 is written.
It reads 12,40
